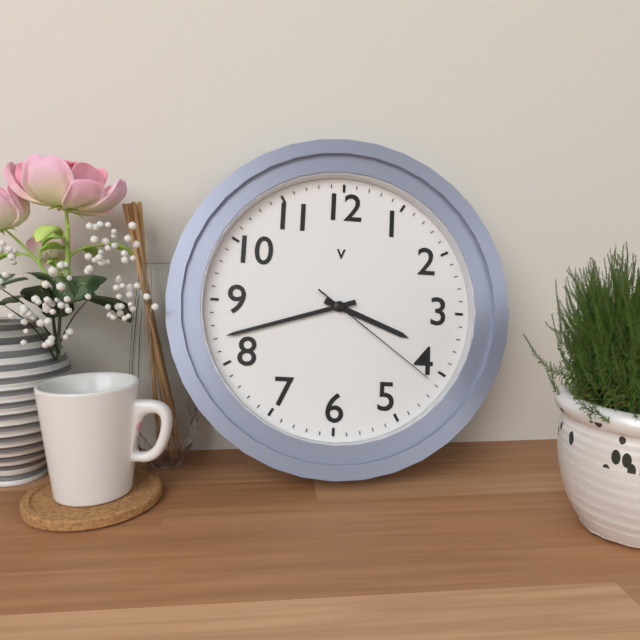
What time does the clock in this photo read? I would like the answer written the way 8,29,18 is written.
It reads 3,42,21
